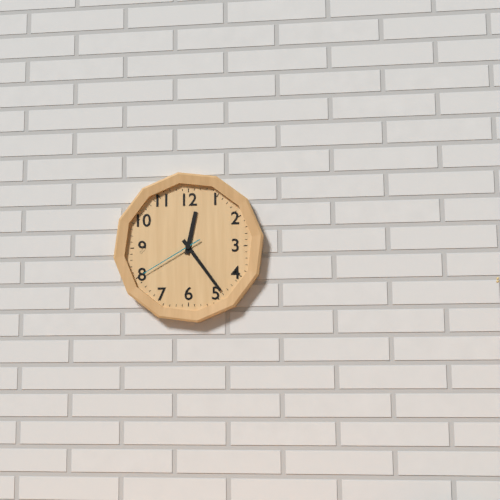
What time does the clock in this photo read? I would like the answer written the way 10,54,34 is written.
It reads 12,24,40
